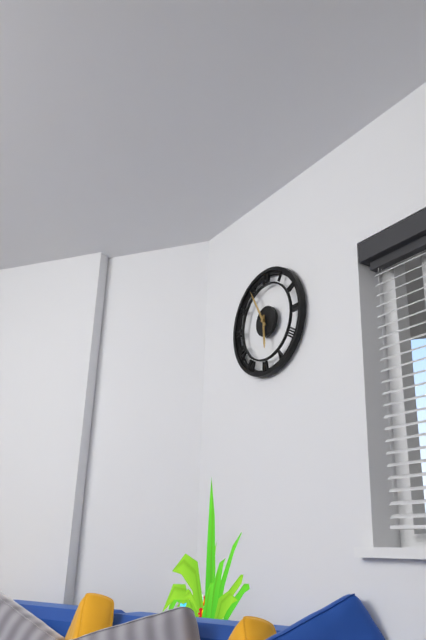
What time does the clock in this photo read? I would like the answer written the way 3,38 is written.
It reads 5,55
